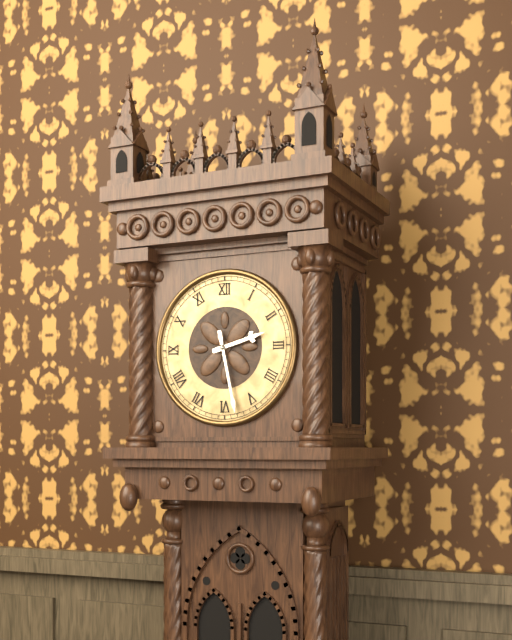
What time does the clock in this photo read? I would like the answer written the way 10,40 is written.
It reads 2,28
